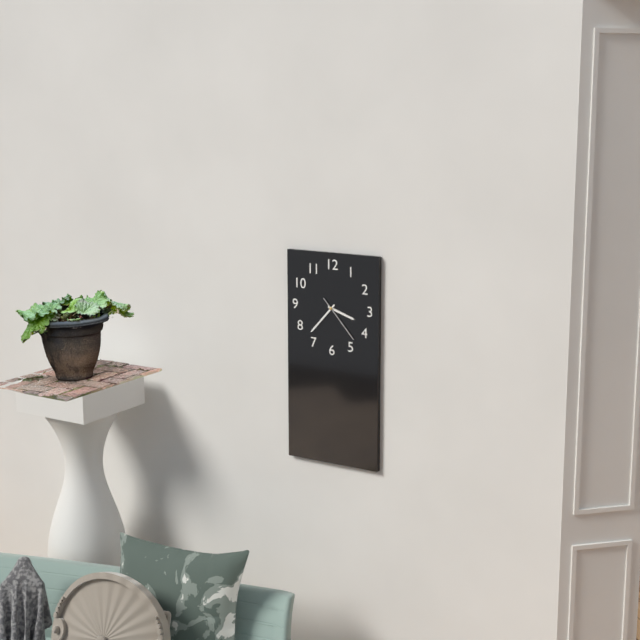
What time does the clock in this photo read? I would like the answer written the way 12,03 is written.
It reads 3,37
